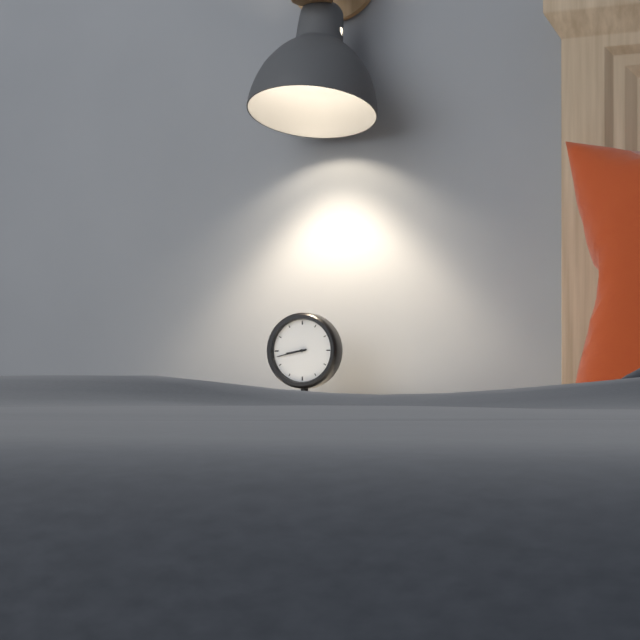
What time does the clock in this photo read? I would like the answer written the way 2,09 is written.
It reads 8,43
